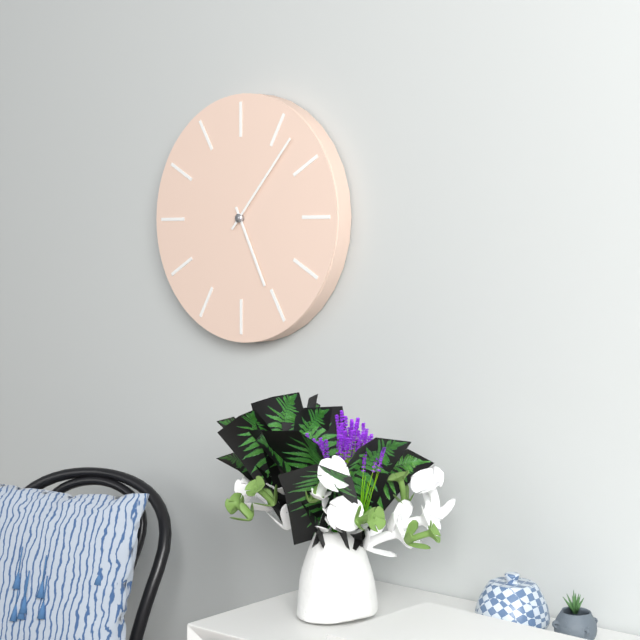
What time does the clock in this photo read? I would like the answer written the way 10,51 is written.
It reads 5,07
